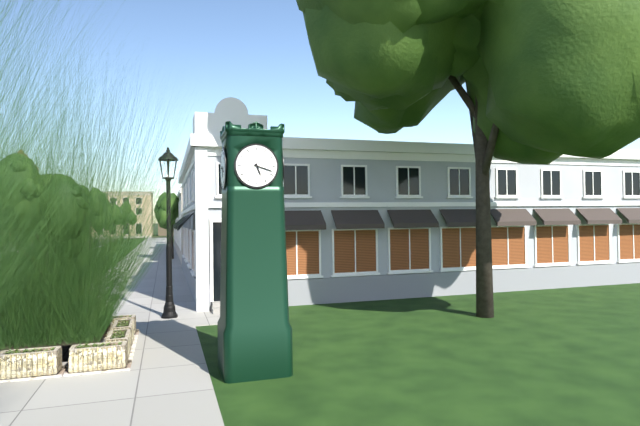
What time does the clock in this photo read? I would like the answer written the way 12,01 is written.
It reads 5,18
